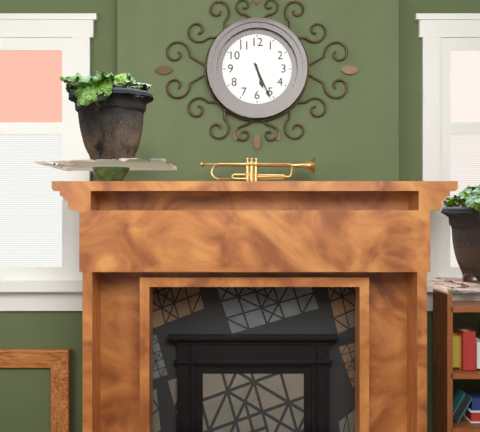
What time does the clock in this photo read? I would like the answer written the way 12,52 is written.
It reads 5,26
